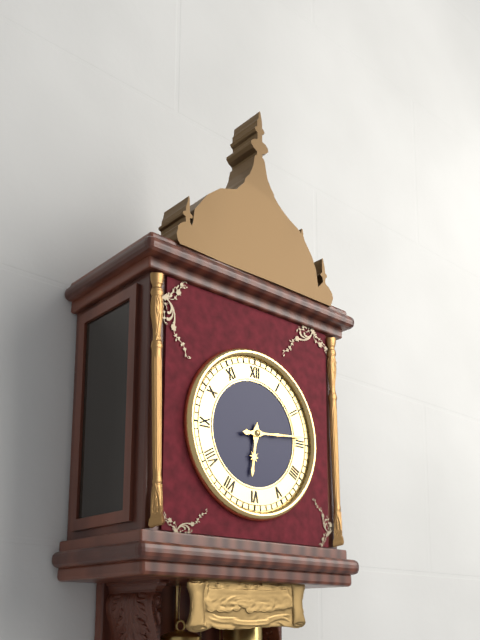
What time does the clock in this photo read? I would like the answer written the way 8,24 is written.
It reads 6,14
